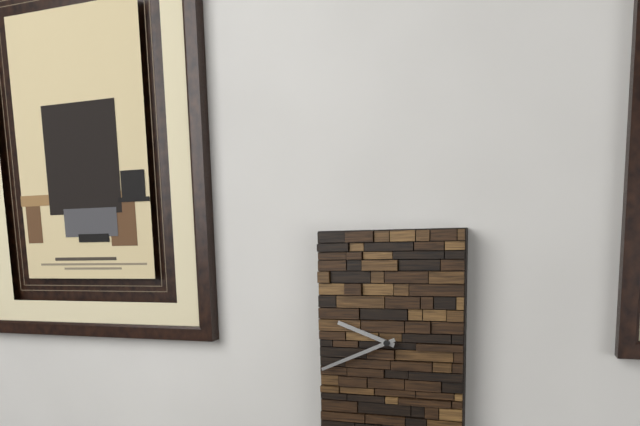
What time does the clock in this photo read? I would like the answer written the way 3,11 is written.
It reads 9,41
